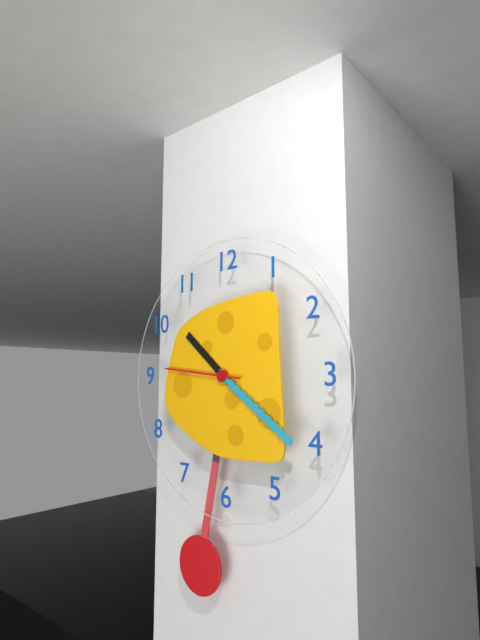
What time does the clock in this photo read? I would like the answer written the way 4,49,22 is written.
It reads 10,21,46
